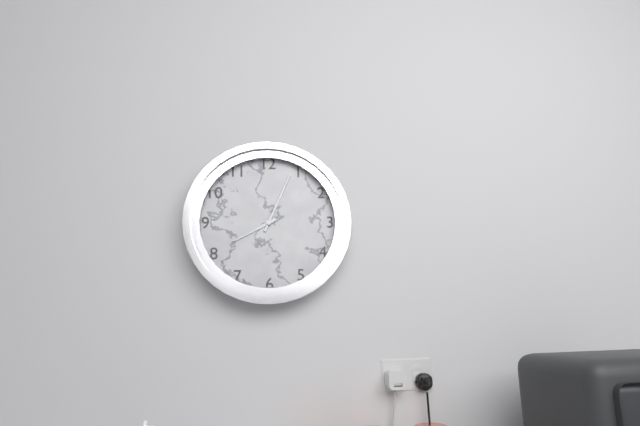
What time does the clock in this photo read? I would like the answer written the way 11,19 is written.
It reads 8,04
